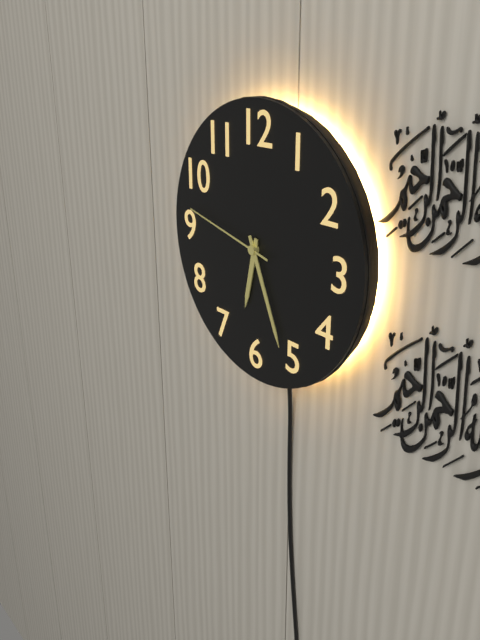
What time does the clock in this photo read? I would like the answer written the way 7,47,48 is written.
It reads 6,26,47
